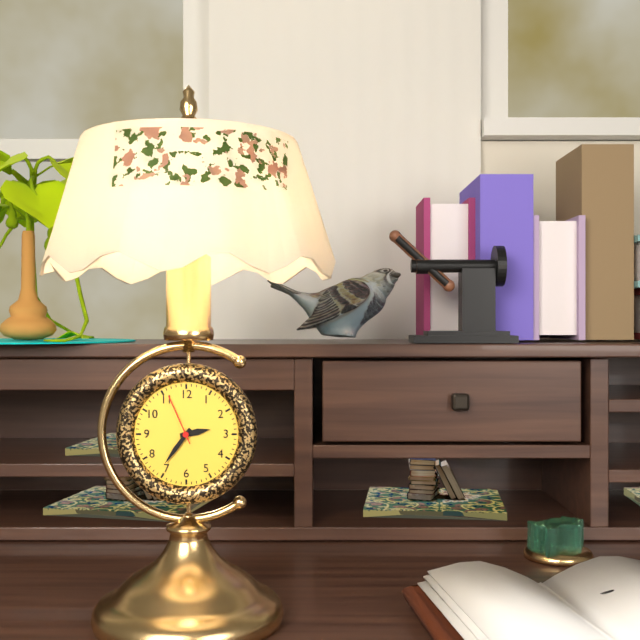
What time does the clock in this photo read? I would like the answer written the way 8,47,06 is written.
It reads 2,36,56
